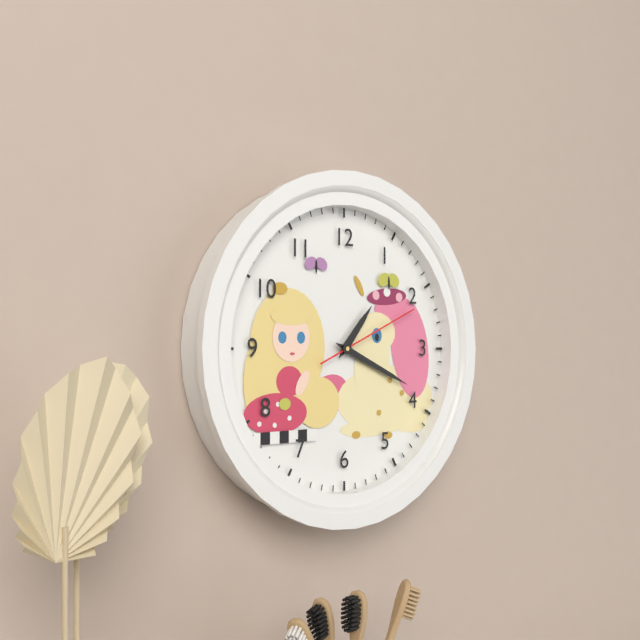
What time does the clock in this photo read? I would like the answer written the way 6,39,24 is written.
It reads 1,19,11
